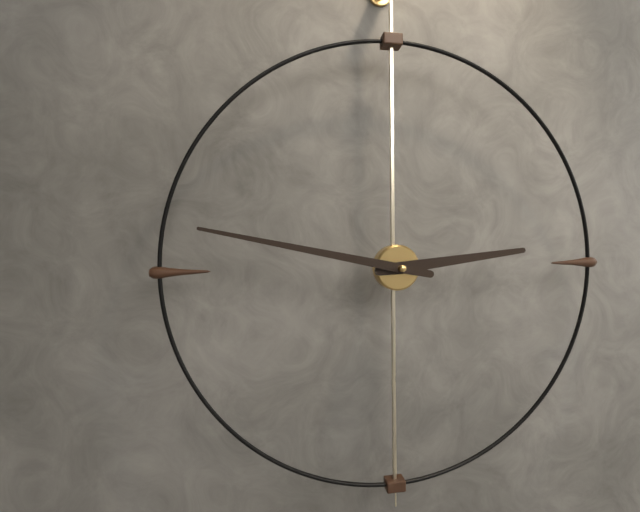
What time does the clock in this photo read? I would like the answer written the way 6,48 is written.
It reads 2,47
